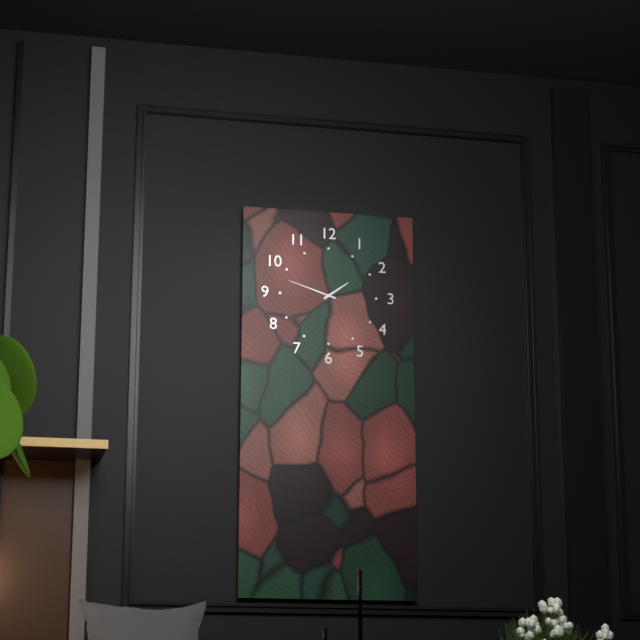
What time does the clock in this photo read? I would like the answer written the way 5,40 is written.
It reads 1,48
